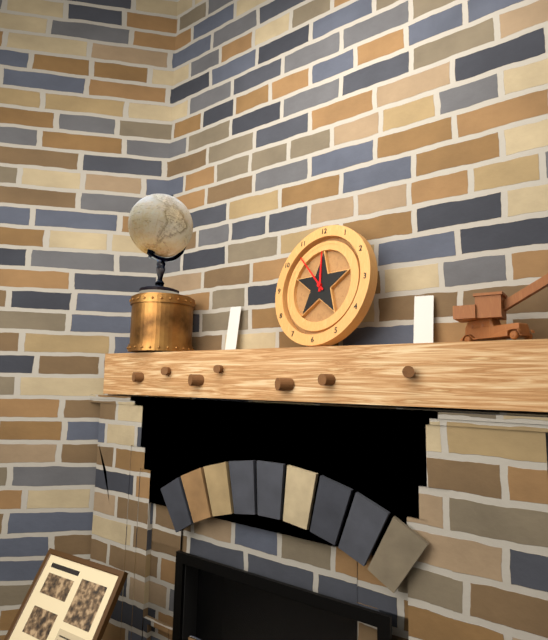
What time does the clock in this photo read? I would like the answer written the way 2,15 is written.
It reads 11,53
